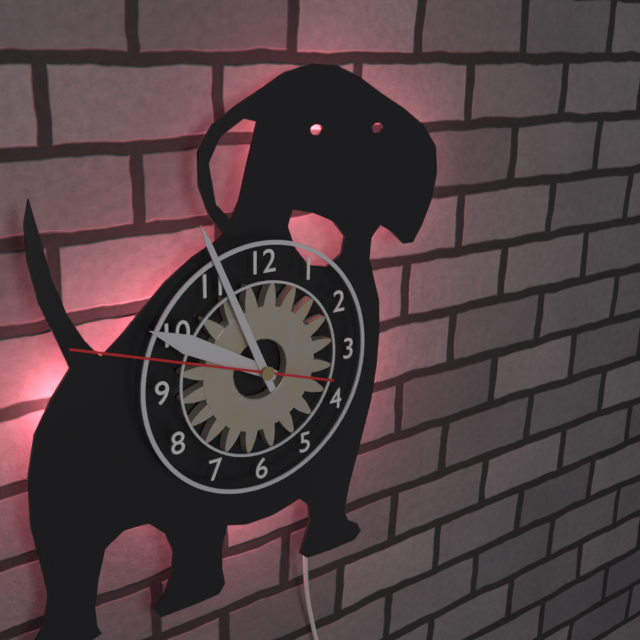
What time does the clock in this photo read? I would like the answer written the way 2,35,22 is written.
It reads 9,56,48
